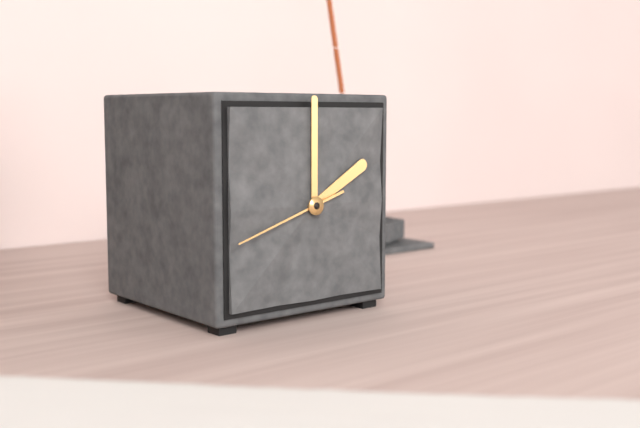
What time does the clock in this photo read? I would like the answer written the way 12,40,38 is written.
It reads 2,00,42
